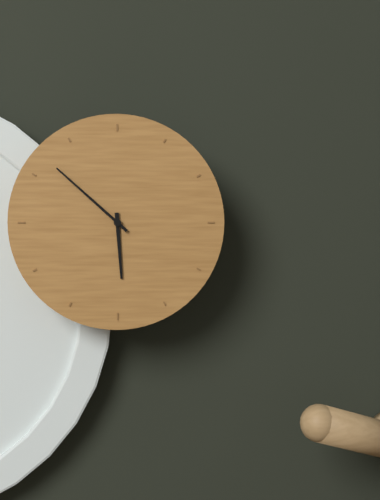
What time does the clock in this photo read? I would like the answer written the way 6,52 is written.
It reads 5,52
